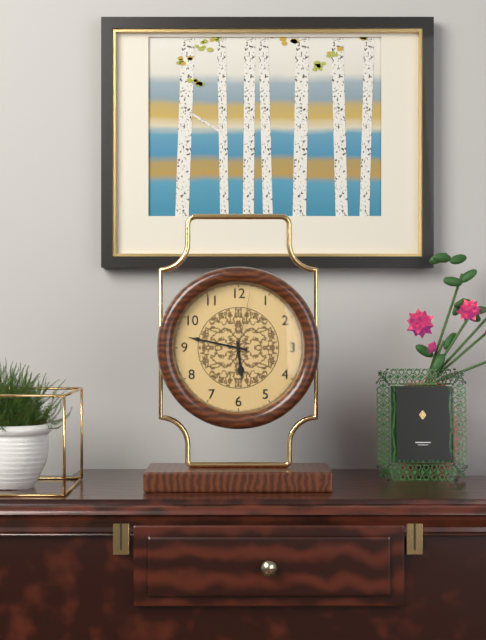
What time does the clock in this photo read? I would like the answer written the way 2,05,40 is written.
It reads 5,47,02
